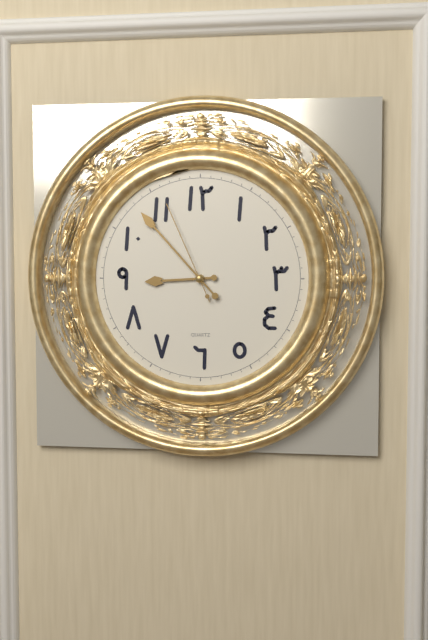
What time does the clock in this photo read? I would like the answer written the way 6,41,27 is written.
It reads 8,53,56
